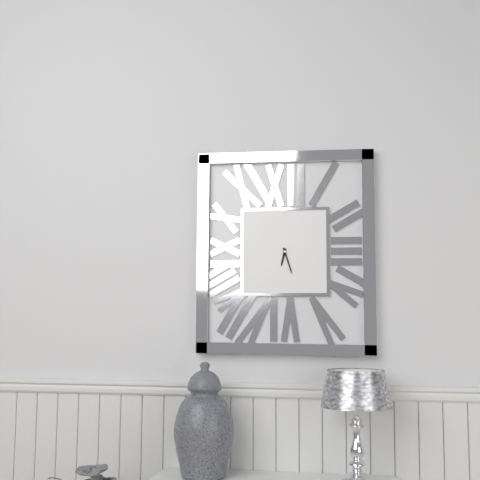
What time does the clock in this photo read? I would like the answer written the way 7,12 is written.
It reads 6,27
